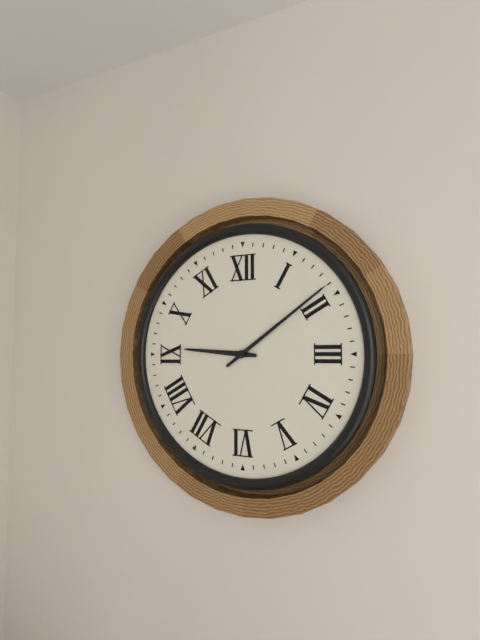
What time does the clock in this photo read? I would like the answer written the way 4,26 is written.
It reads 9,09
